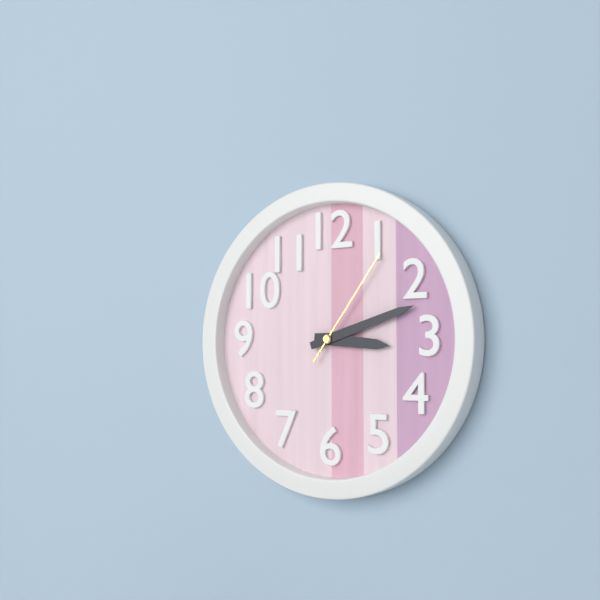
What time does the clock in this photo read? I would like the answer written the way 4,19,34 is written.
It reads 3,12,06
